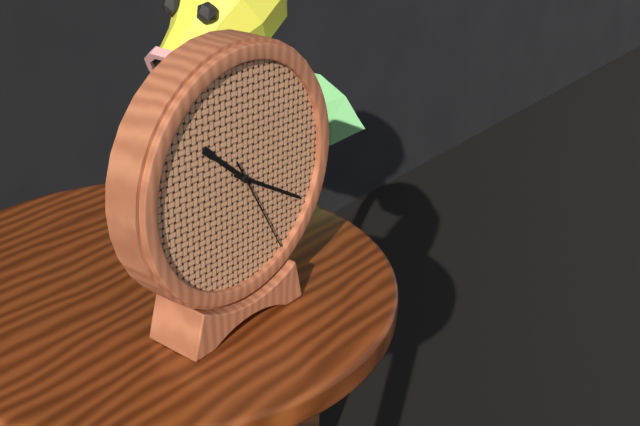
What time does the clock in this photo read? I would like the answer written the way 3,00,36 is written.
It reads 10,20,25
